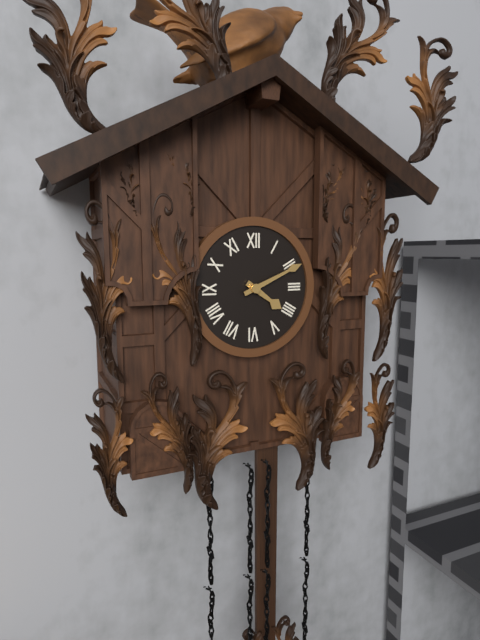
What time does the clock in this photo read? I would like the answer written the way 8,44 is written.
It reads 4,11
